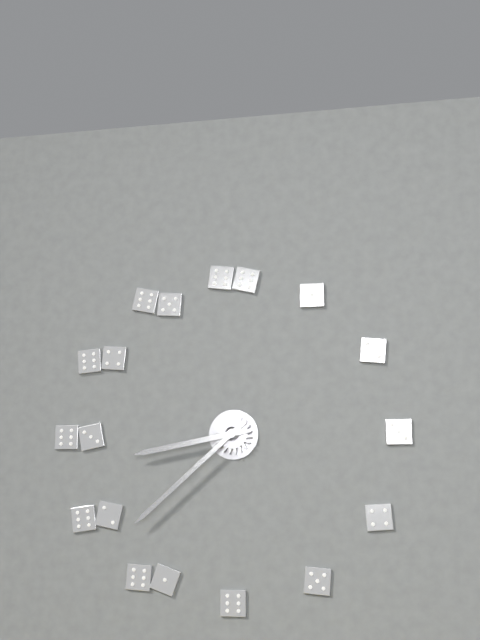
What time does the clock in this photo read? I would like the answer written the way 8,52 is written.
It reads 8,38
